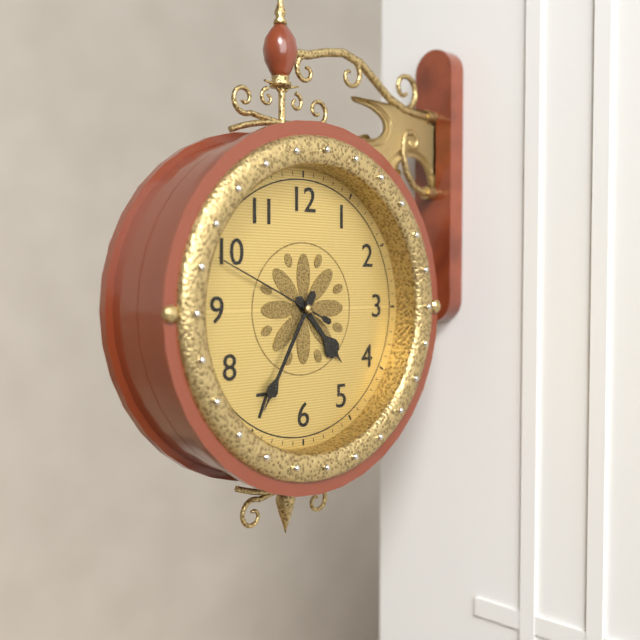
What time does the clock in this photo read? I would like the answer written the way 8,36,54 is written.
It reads 4,35,49
